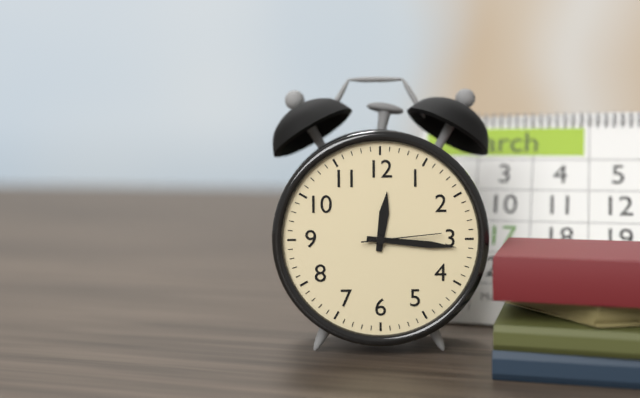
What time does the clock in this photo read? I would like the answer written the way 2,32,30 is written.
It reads 12,16,14
